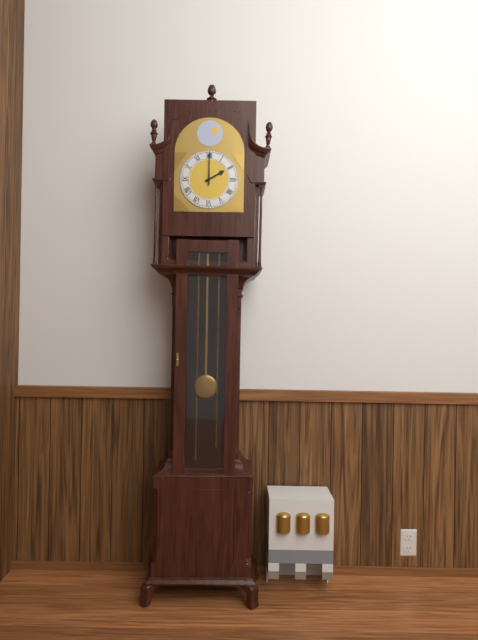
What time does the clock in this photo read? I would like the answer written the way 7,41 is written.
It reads 2,00
